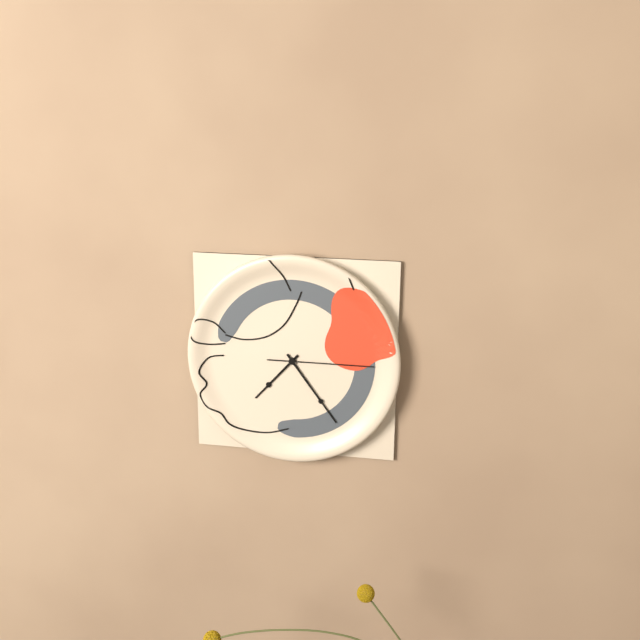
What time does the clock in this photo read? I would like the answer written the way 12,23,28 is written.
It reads 7,24,15
